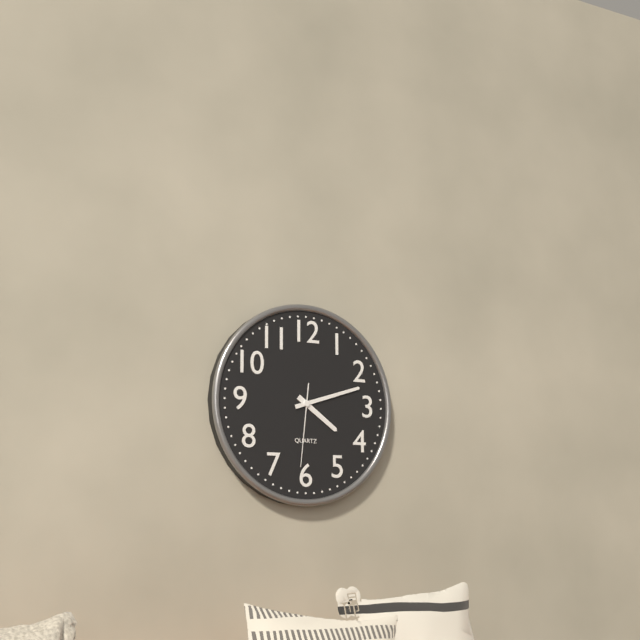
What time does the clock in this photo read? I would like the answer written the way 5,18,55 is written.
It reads 4,12,31
